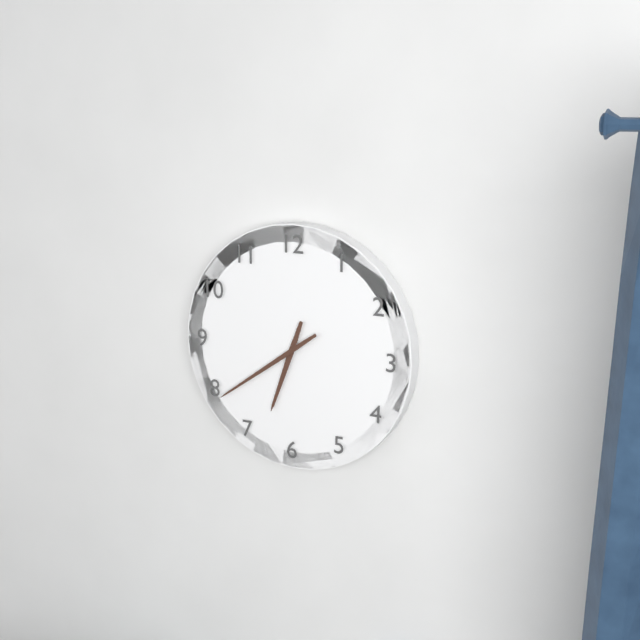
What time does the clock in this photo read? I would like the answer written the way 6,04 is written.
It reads 6,39
